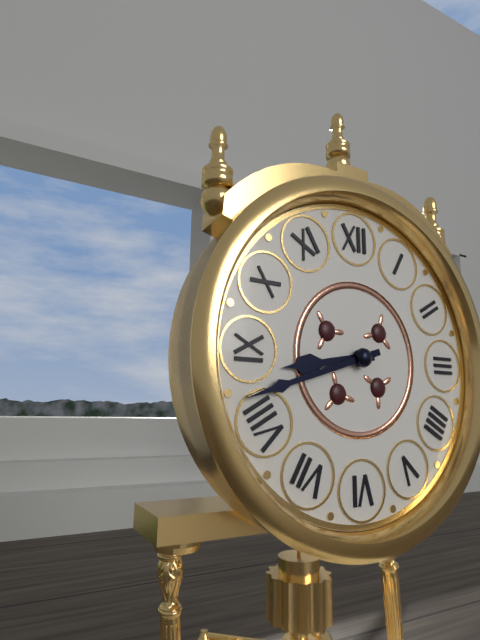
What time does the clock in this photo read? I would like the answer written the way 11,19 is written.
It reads 8,42
